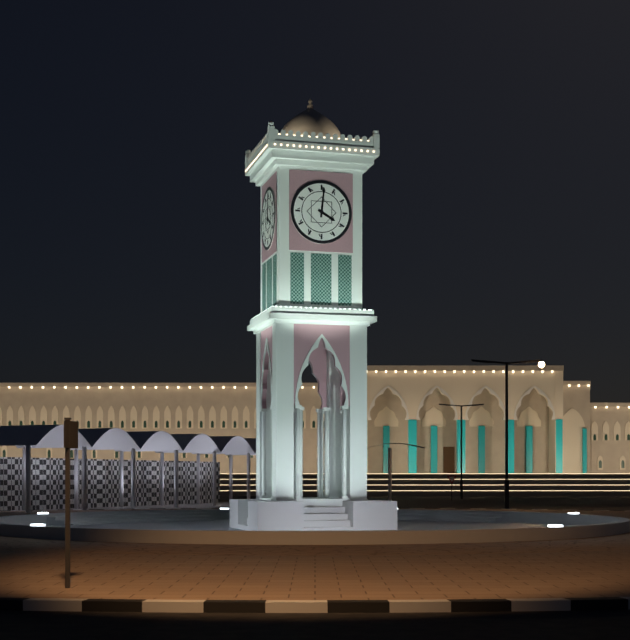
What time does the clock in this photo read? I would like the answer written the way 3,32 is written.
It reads 4,01
